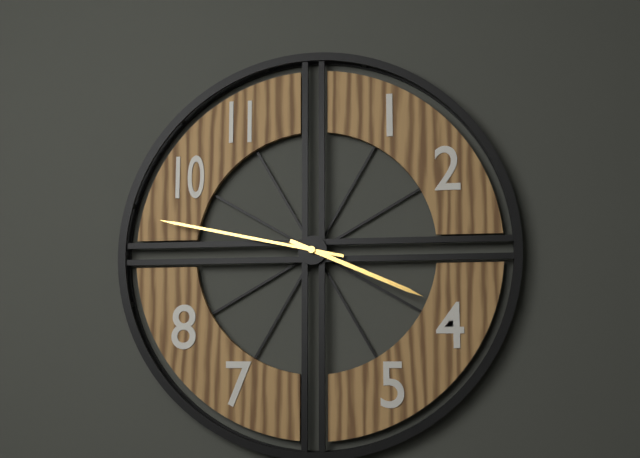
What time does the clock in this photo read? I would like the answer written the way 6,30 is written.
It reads 3,47
